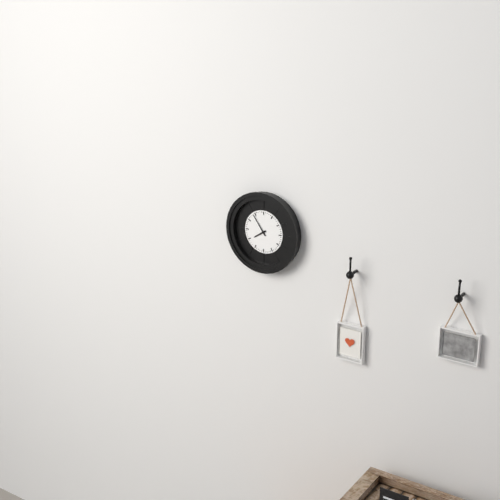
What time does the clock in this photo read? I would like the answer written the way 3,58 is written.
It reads 7,54
